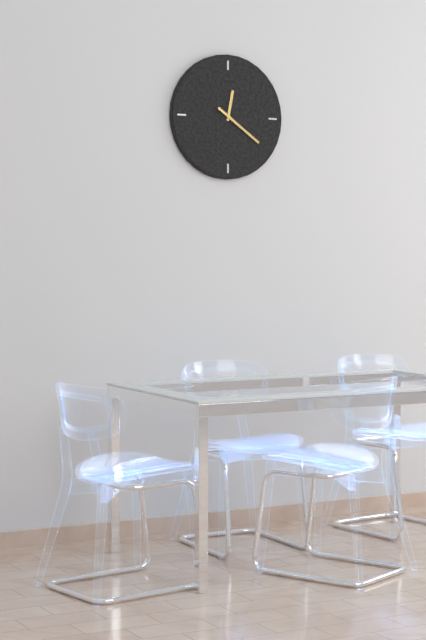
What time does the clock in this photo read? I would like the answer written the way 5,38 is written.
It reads 12,21
